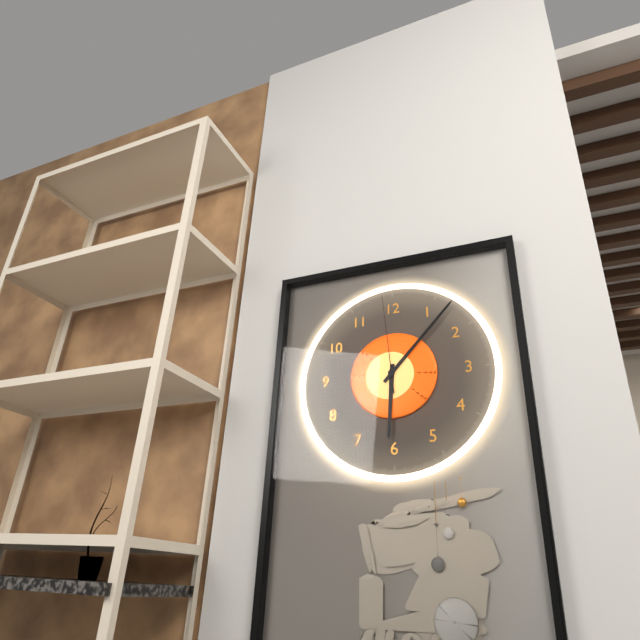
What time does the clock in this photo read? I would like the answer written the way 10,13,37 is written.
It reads 6,07,59
